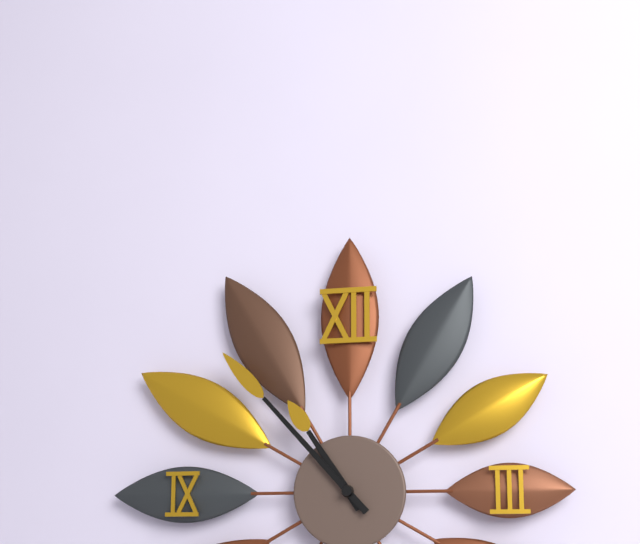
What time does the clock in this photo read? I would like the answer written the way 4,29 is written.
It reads 10,53
